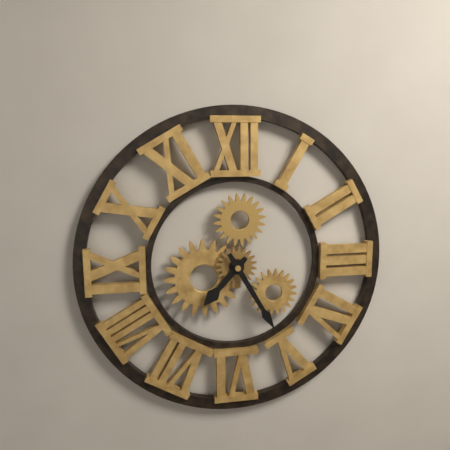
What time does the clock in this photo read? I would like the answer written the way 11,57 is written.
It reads 7,25
